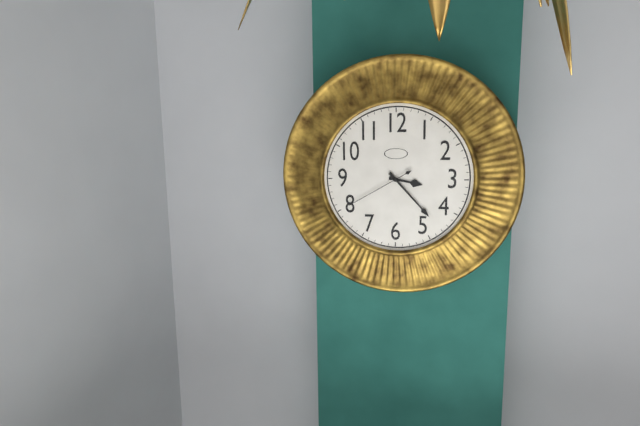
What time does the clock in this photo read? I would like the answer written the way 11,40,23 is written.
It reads 3,23,40
